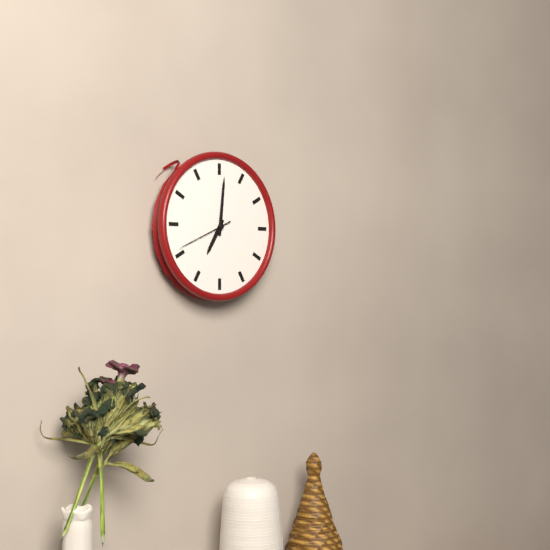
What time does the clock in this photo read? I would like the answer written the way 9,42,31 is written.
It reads 7,01,41
